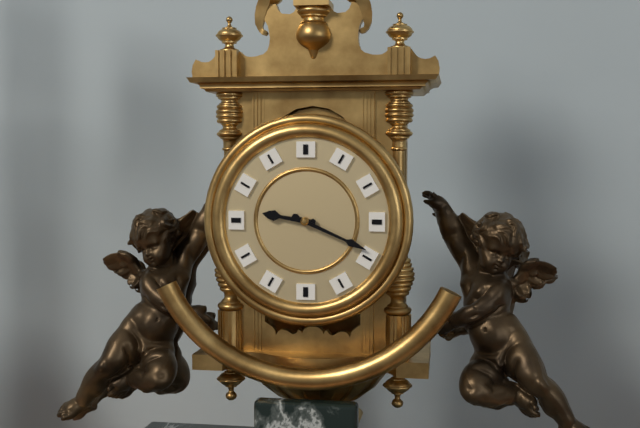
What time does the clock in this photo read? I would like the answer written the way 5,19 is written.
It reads 9,19
